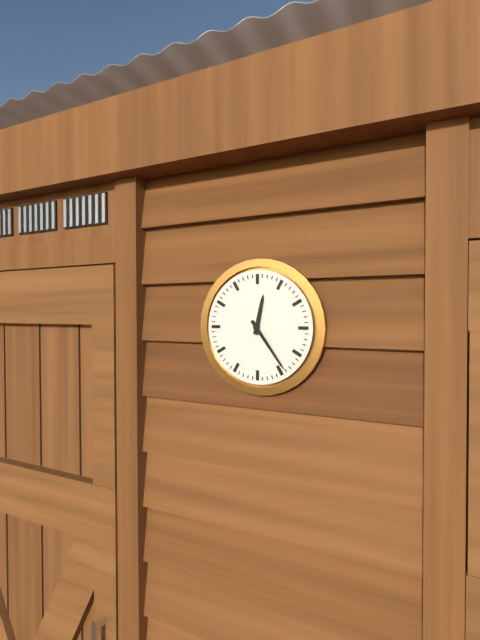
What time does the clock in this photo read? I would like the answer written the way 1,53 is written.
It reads 12,24
